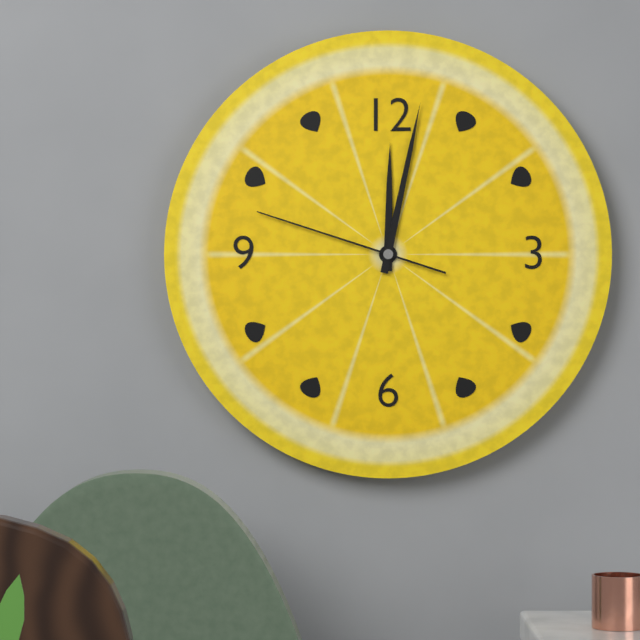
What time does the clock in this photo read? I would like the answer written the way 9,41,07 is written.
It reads 12,02,48
